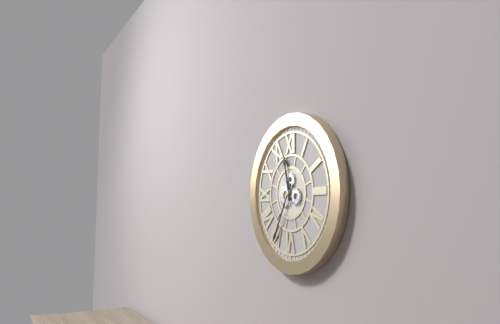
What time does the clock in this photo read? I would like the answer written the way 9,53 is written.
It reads 11,35
